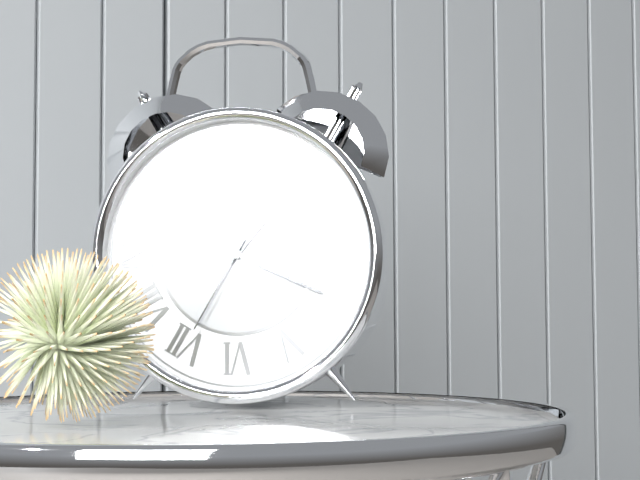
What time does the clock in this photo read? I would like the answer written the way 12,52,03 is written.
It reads 1,19,35
